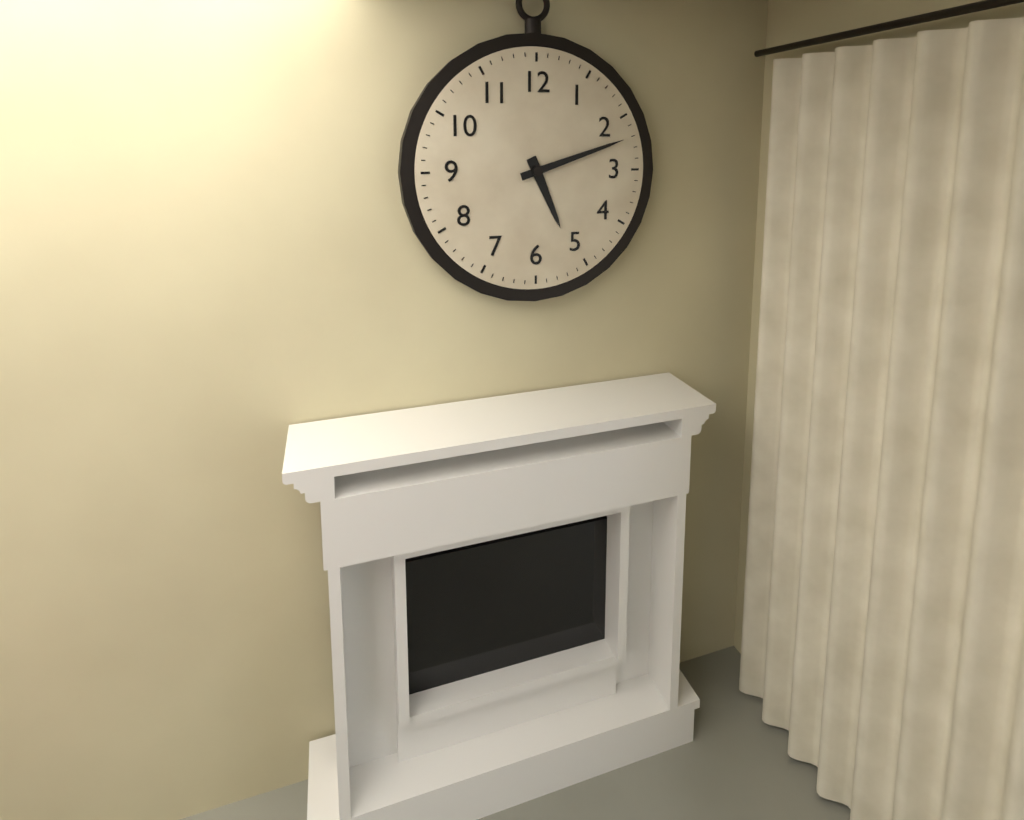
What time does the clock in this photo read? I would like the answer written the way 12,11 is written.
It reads 5,12
